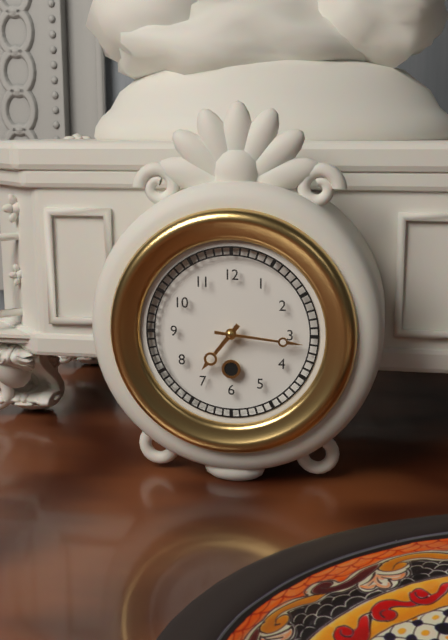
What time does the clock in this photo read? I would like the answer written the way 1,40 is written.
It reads 7,16
